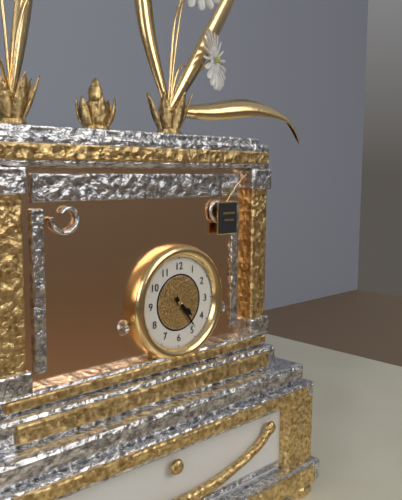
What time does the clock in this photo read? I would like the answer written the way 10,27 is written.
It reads 4,24
